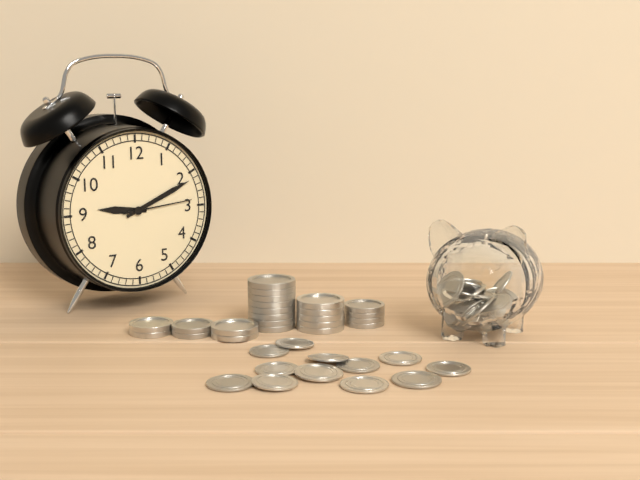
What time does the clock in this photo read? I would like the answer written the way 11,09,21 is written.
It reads 9,11,14
